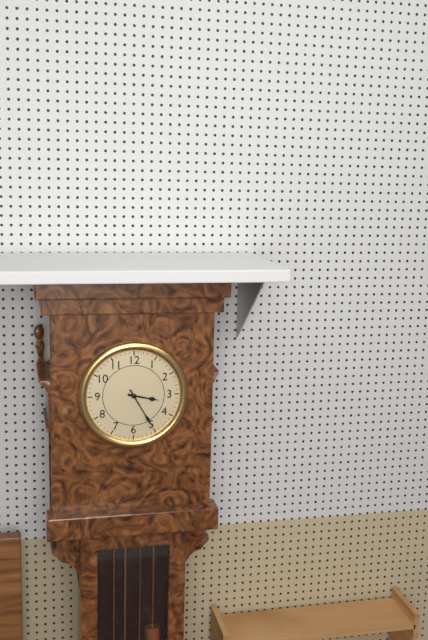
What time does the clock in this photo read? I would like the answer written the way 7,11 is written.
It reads 3,25
